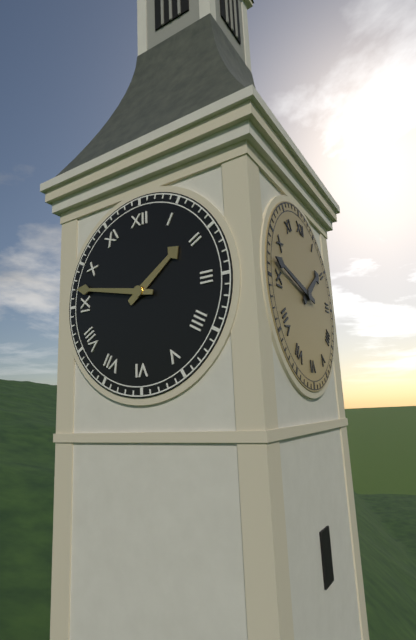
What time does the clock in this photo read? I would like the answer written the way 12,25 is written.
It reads 1,47
